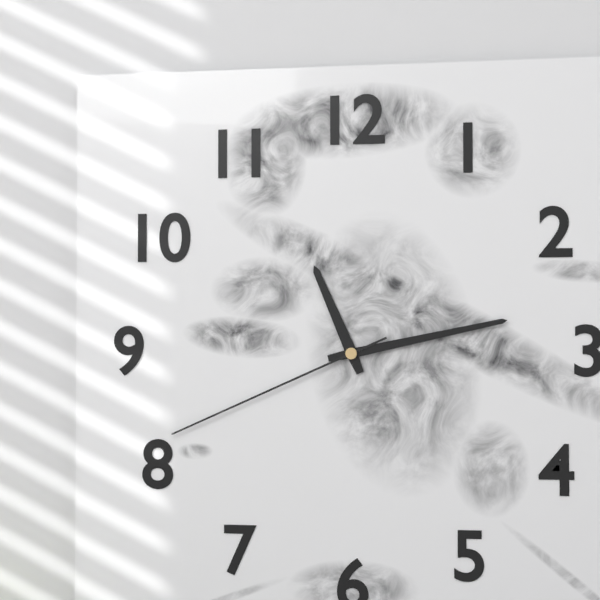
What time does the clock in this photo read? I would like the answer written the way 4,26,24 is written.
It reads 11,13,41
